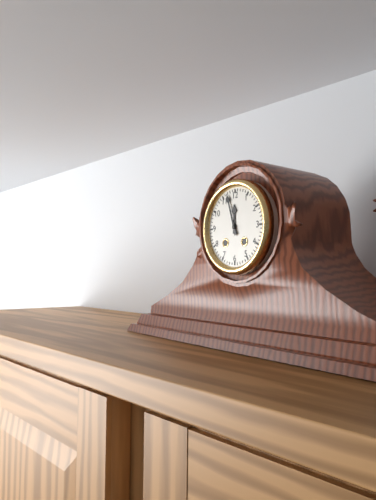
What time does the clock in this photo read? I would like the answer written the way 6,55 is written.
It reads 11,57
